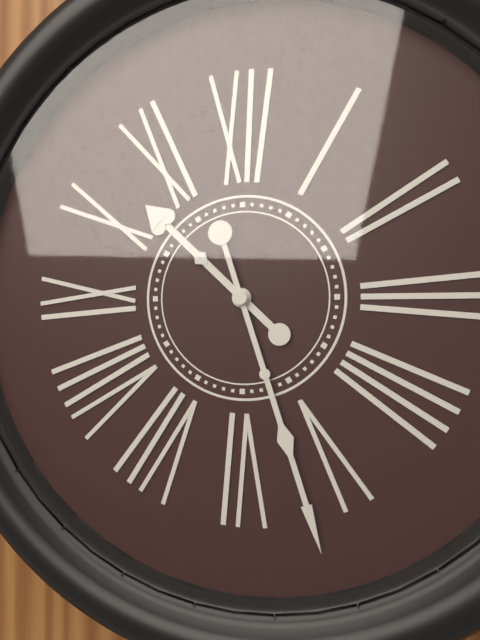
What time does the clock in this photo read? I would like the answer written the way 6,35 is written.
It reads 10,27
